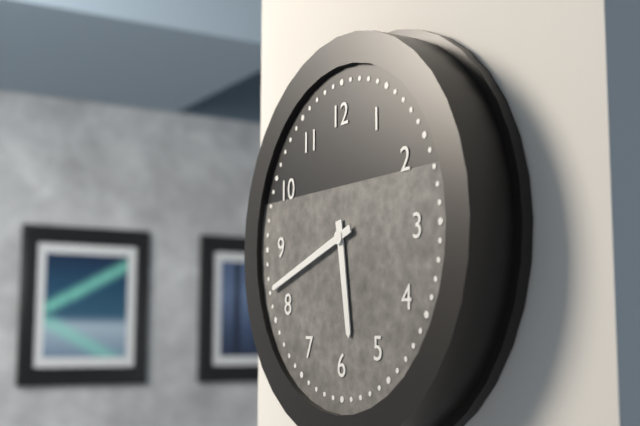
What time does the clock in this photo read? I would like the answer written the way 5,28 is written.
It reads 5,42
